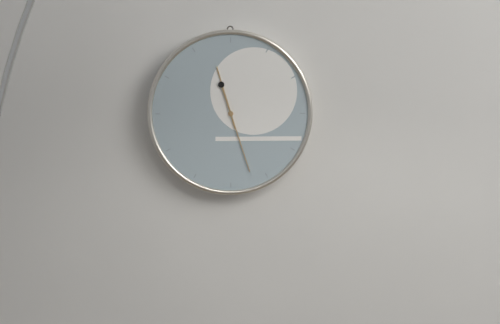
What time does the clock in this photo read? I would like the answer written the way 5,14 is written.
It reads 11,27
